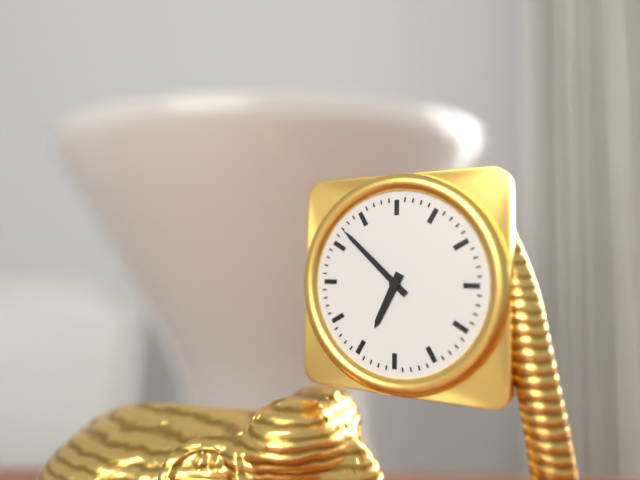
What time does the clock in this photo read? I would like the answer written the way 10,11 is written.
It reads 6,52
